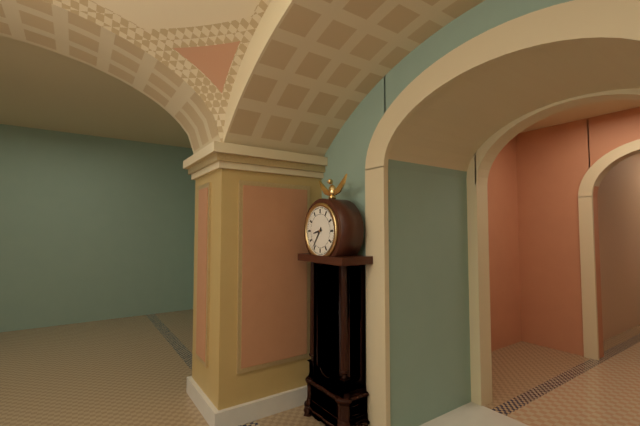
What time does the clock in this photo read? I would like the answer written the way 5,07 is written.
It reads 8,36
